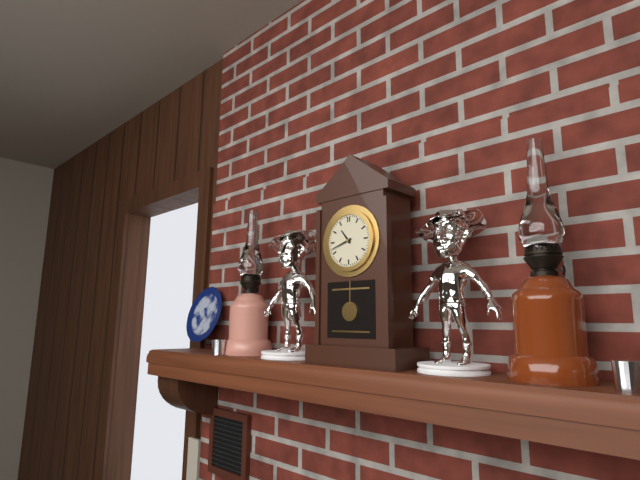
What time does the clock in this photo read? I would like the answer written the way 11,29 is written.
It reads 10,42
